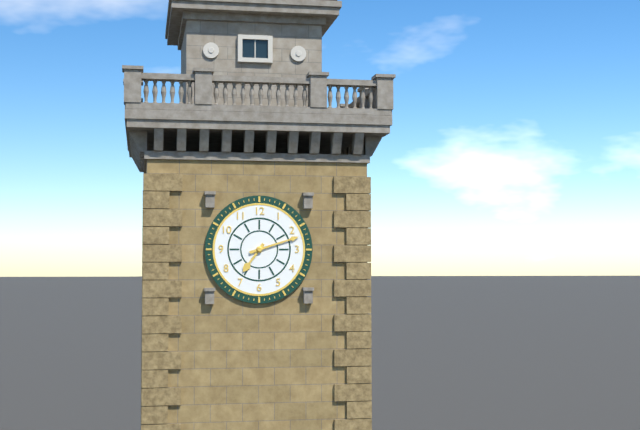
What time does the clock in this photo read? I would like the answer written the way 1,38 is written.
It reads 7,12
